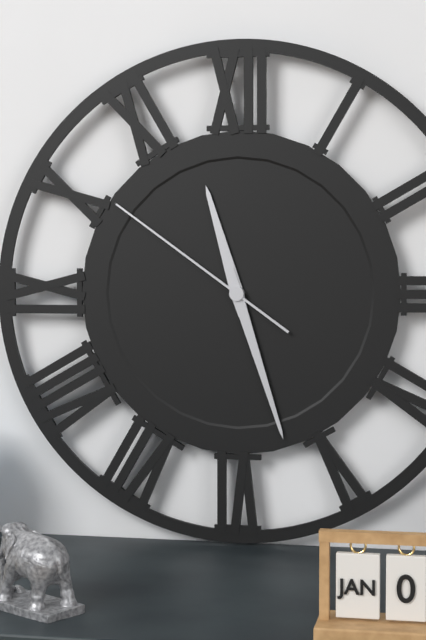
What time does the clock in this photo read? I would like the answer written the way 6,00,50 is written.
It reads 11,27,51
